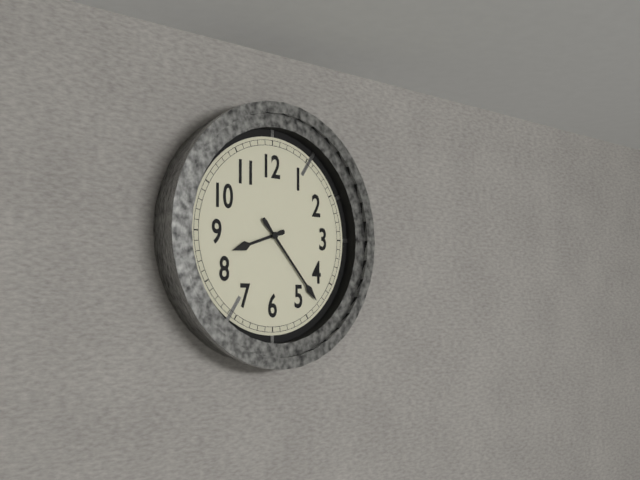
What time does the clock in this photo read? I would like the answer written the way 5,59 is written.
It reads 8,23
